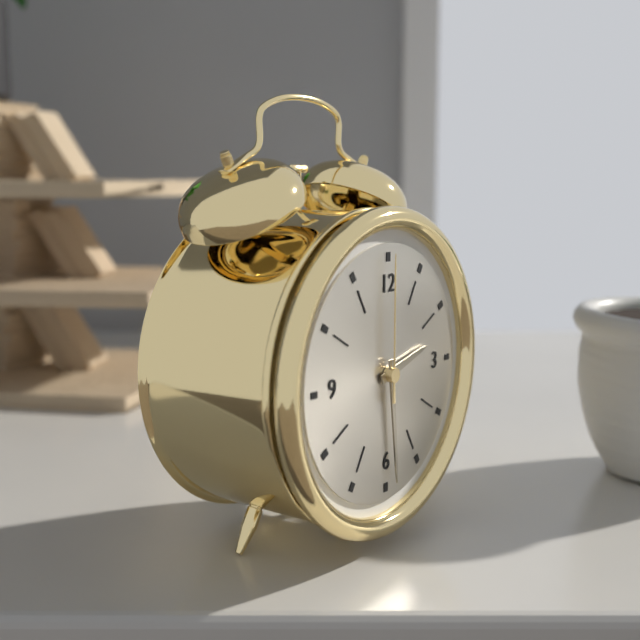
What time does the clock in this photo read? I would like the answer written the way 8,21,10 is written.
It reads 2,29,00
